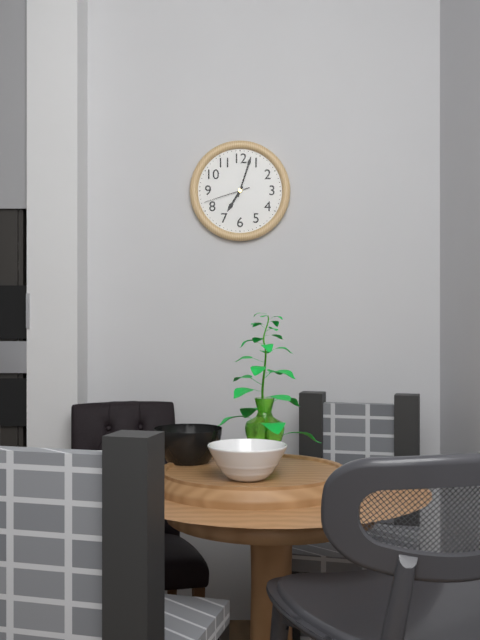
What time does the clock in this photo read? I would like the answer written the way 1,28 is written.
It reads 7,03
